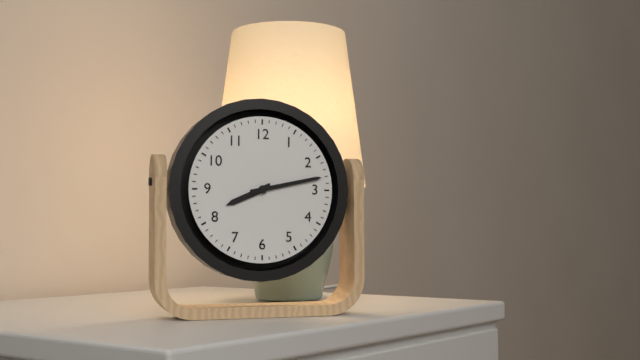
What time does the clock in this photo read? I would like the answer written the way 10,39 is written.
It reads 8,13
